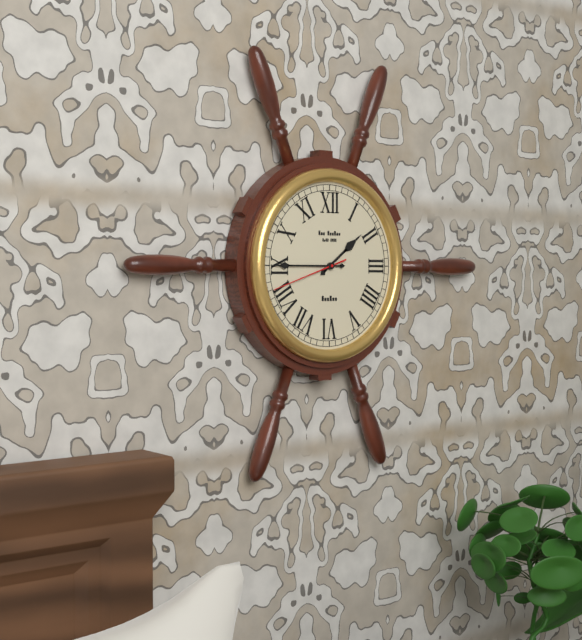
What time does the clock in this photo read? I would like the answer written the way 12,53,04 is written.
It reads 1,45,42
